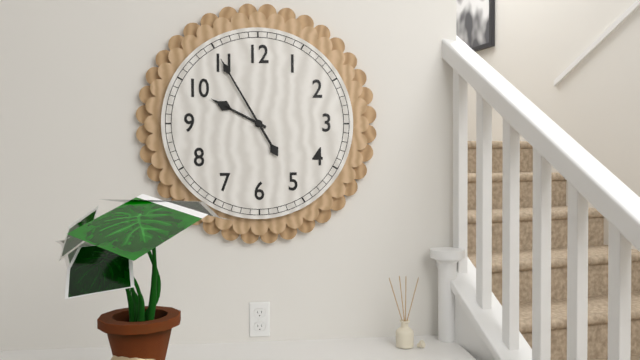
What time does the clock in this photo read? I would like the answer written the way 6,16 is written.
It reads 9,55
